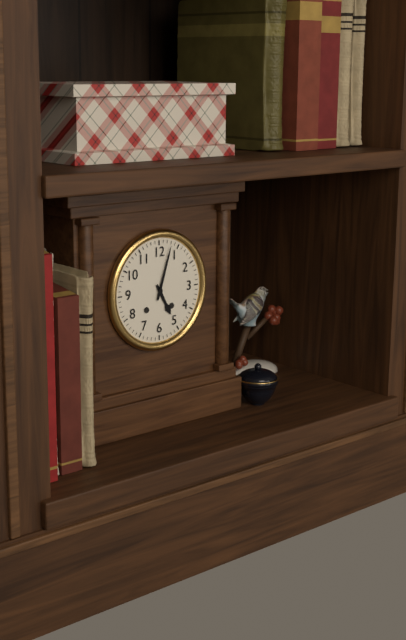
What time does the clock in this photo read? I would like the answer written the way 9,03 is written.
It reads 5,03
